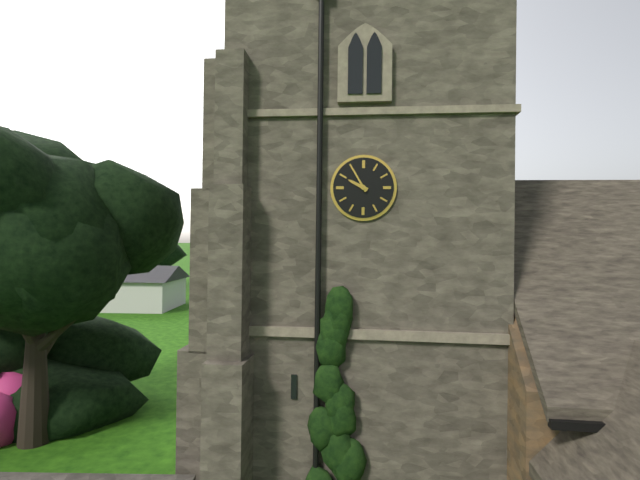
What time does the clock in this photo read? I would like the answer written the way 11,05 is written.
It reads 9,55
